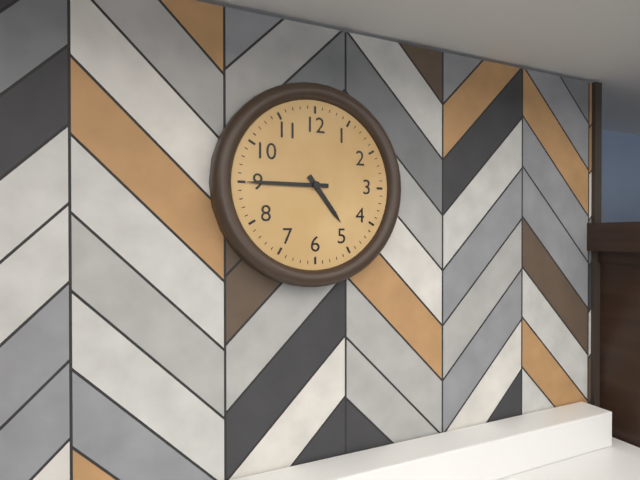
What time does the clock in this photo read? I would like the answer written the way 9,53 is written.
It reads 4,45
